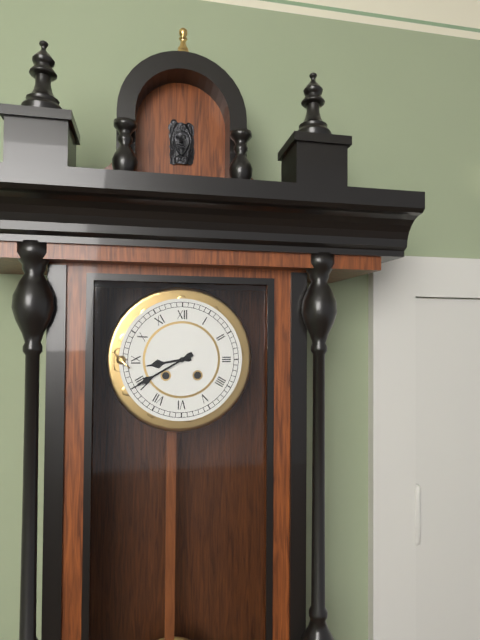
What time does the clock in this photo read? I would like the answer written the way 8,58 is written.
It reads 8,40
